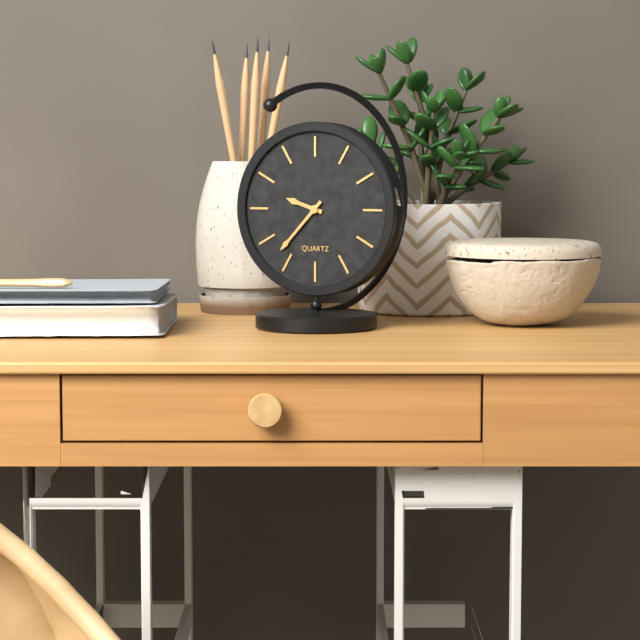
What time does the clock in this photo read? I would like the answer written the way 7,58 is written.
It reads 9,37
